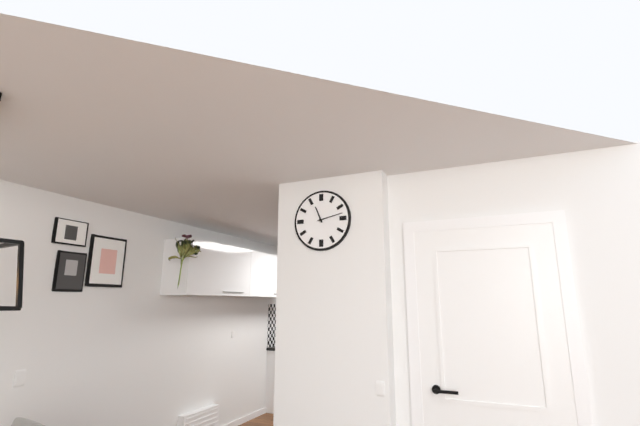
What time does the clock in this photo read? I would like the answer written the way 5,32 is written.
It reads 11,13
